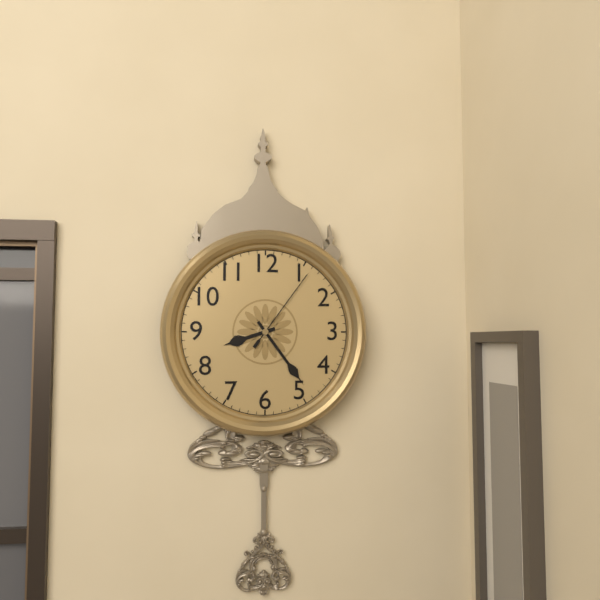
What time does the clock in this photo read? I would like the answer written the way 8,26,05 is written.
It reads 8,24,06
